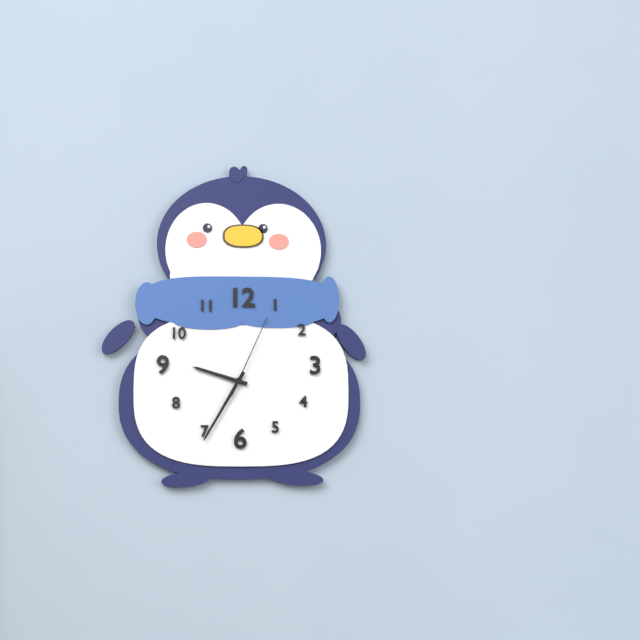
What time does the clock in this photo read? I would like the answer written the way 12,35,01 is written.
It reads 9,35,04
